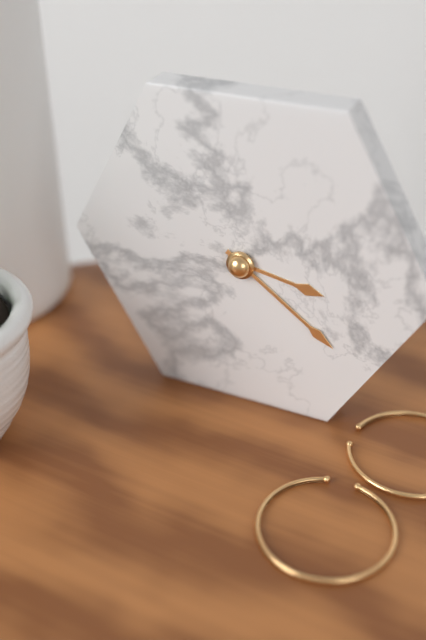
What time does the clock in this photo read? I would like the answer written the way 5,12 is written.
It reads 3,21
